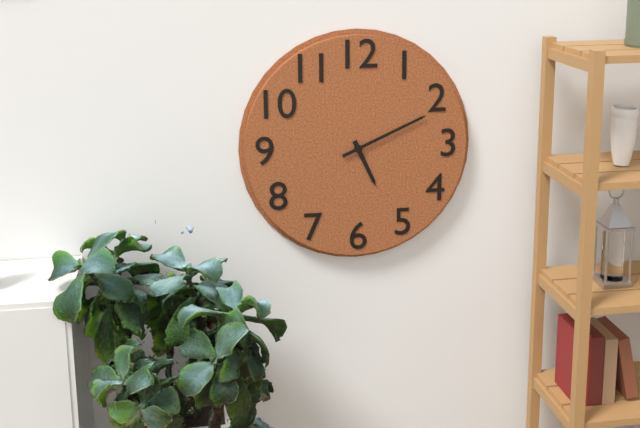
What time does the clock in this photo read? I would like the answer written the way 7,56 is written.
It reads 5,11
